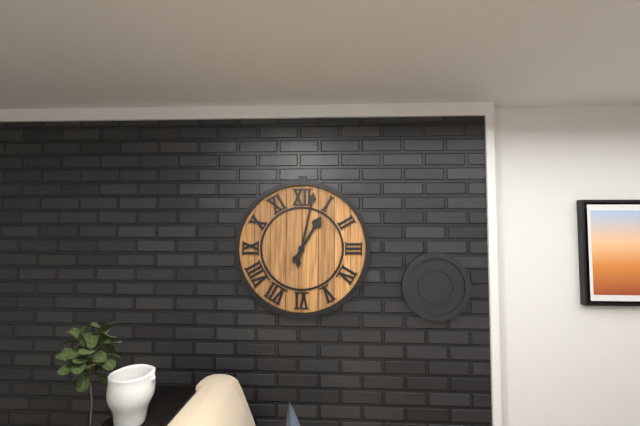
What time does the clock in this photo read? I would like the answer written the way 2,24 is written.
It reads 1,02
